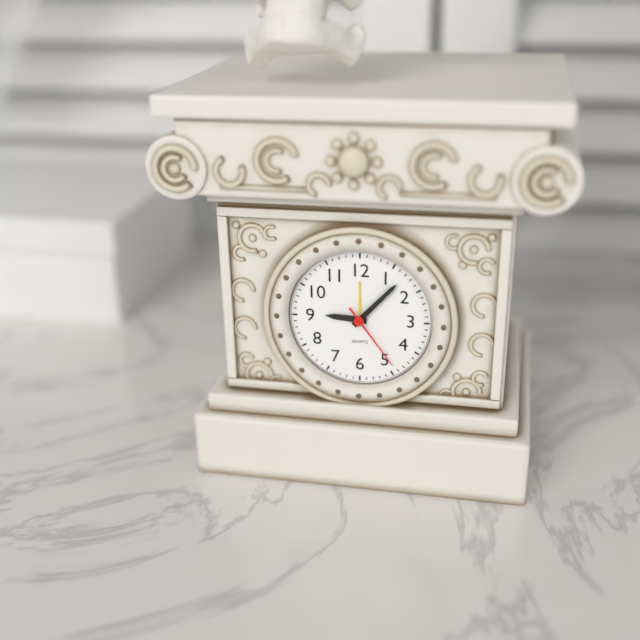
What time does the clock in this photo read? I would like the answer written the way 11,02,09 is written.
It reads 9,07,24
